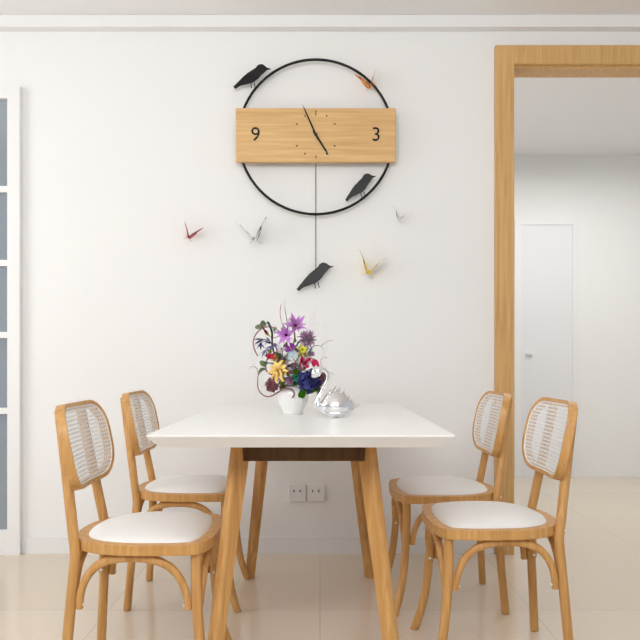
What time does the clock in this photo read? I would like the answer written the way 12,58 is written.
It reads 4,56
